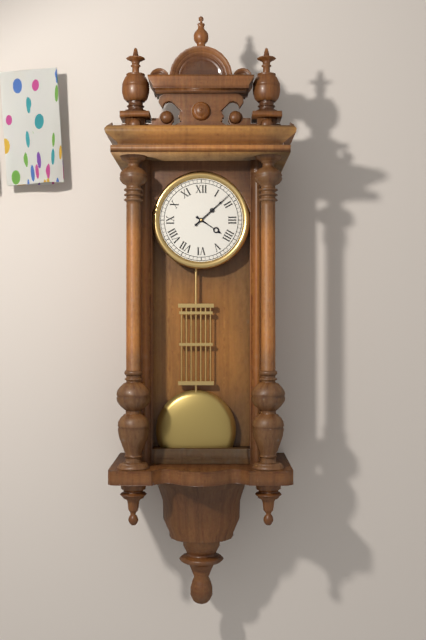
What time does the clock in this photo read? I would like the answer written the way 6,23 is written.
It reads 4,08
